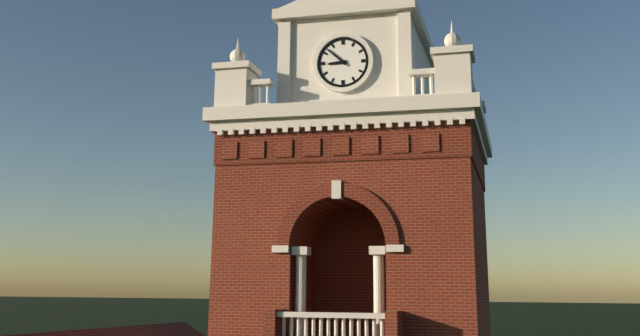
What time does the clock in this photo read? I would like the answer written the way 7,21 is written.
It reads 8,52
